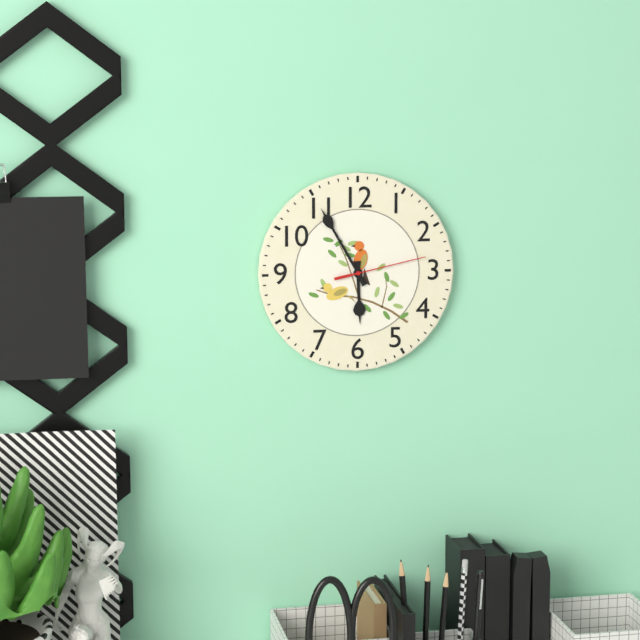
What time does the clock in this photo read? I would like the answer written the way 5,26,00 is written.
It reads 5,55,13
